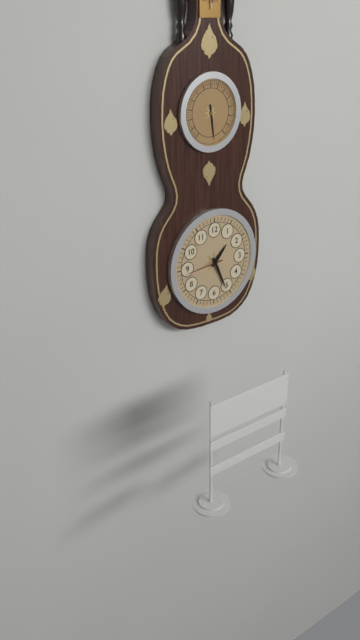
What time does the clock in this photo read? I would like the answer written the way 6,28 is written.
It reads 1,26
